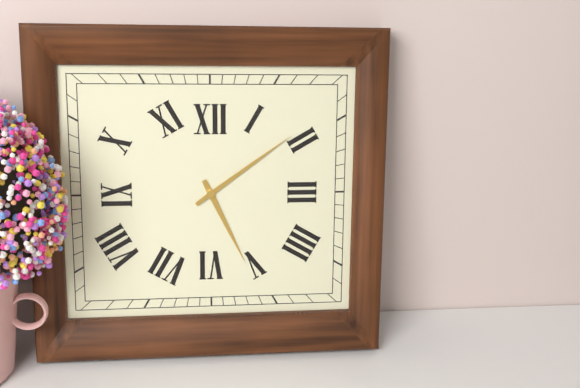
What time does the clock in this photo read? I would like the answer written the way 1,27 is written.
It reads 5,09
